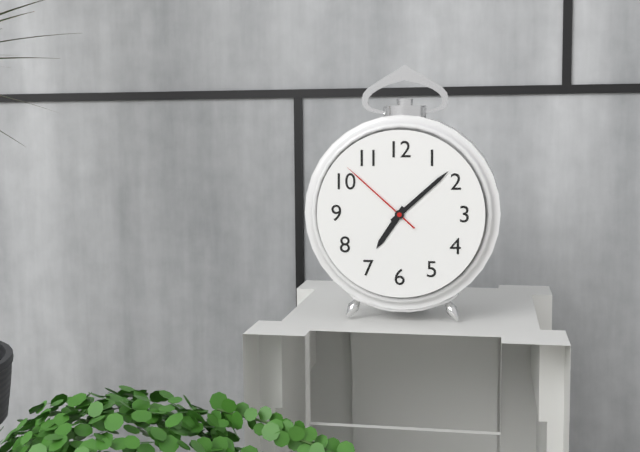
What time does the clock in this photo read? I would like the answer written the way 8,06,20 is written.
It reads 7,08,52
